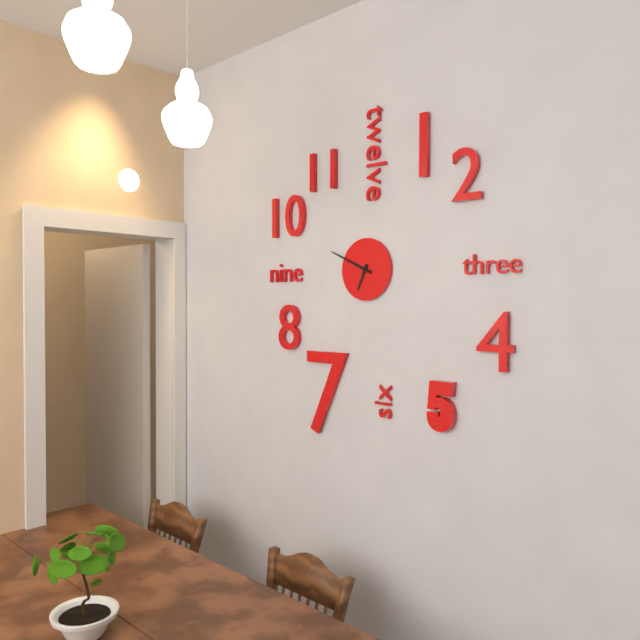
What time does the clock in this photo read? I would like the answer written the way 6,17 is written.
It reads 6,49
